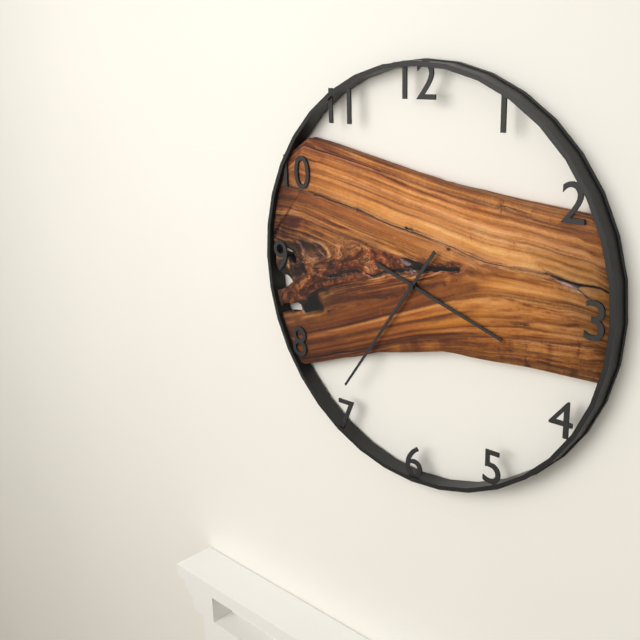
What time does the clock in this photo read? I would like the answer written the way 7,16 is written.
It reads 3,36
